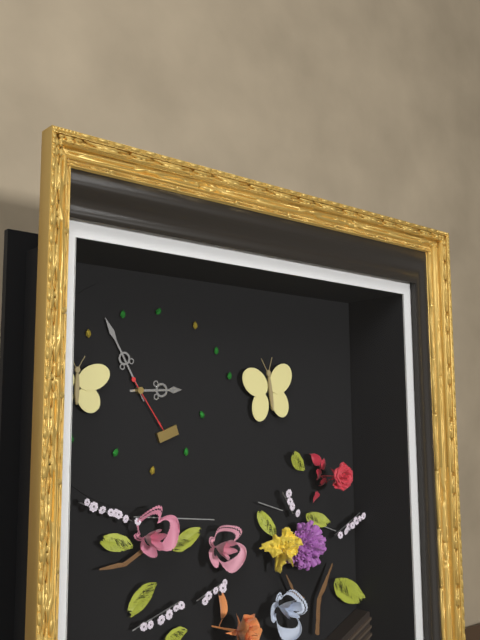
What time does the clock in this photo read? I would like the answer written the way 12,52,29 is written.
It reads 2,55,24
